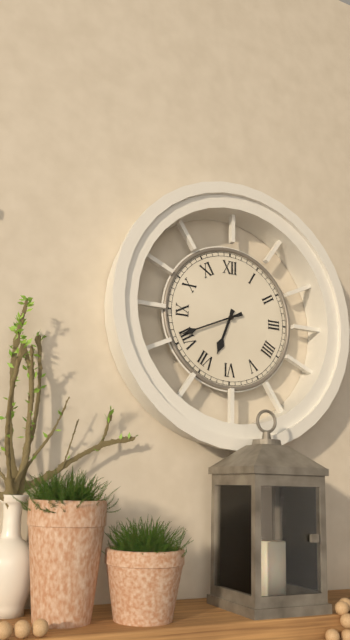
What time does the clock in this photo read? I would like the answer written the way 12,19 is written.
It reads 6,41
